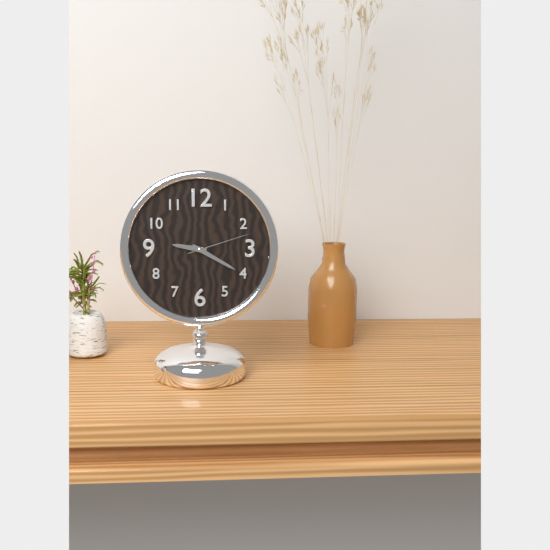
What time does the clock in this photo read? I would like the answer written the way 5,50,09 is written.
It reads 9,20,12
